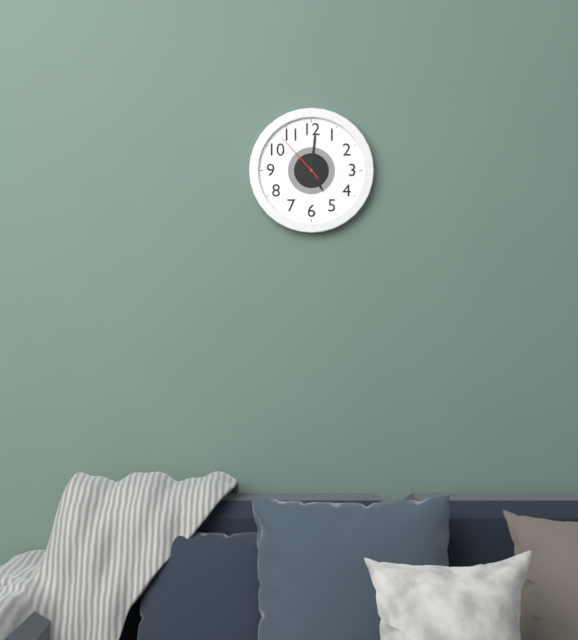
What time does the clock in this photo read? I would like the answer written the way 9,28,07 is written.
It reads 5,01,53
